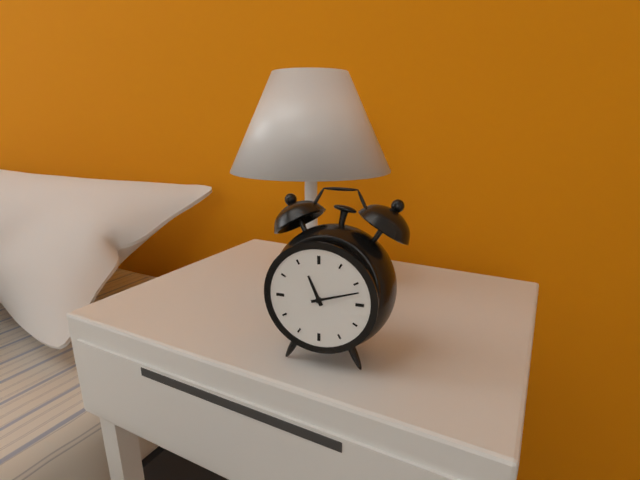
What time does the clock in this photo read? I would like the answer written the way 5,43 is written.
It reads 11,12
